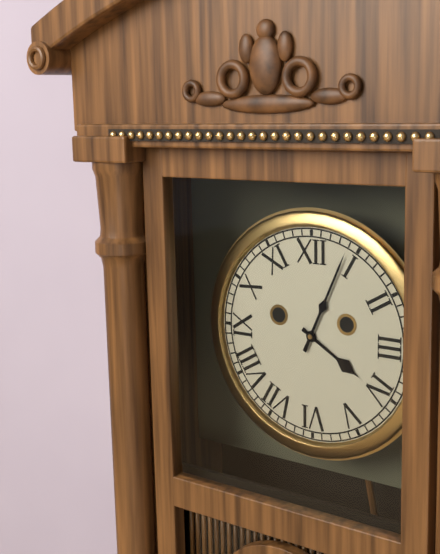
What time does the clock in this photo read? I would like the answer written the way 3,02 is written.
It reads 4,04
